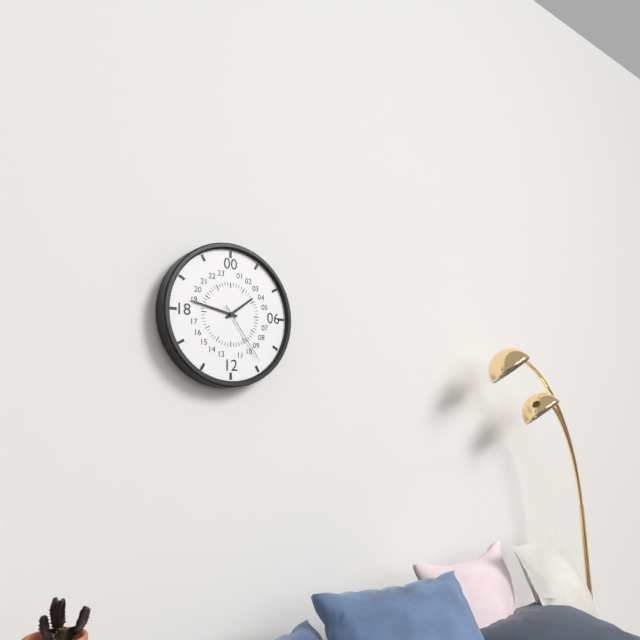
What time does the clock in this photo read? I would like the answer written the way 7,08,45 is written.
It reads 1,47,24
